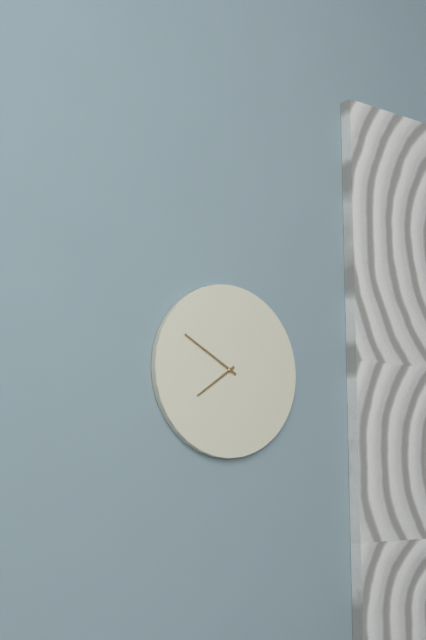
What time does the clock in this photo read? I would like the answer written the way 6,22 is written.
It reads 7,50
